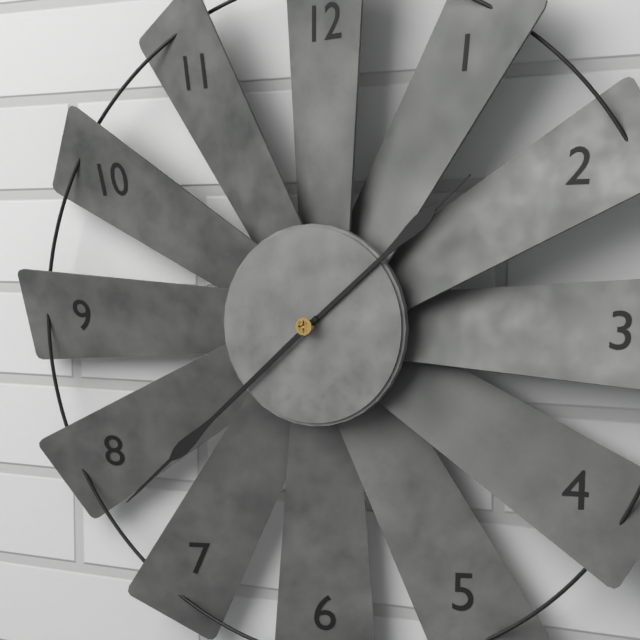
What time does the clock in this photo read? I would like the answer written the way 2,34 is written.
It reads 1,38
